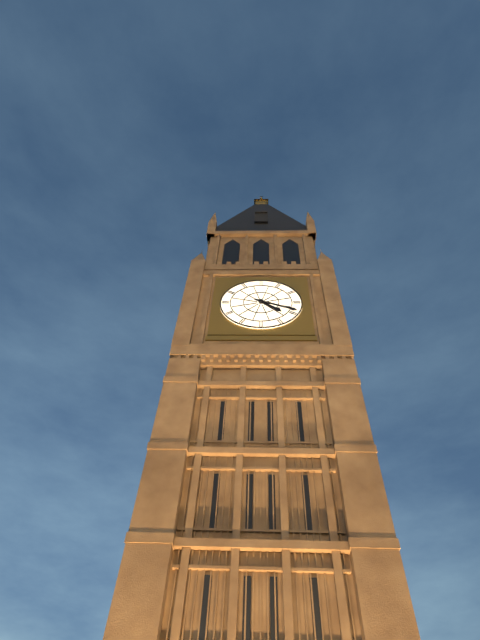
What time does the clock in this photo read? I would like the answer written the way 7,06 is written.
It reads 4,19
